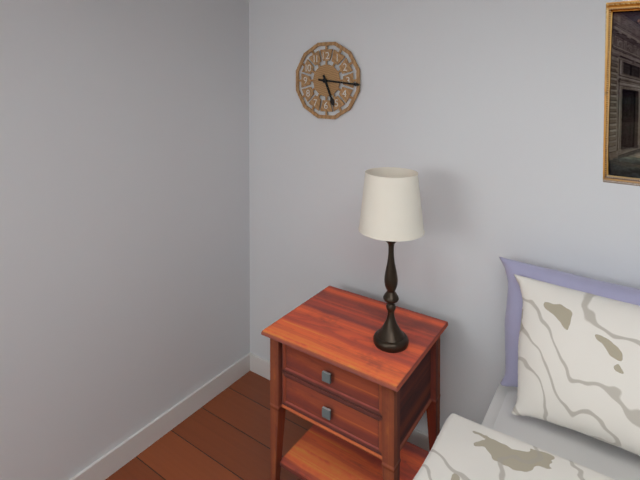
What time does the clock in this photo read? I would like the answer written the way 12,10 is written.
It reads 5,16
